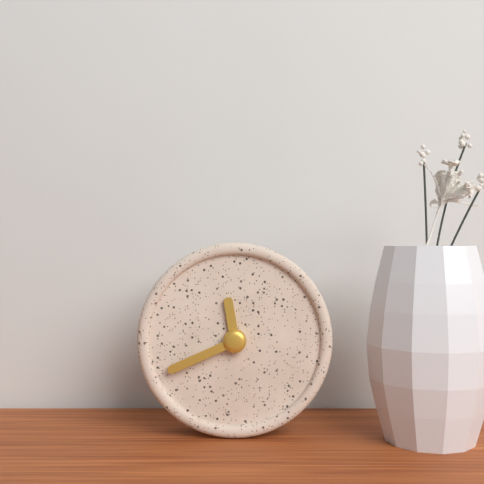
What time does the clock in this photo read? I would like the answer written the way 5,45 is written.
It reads 11,41
